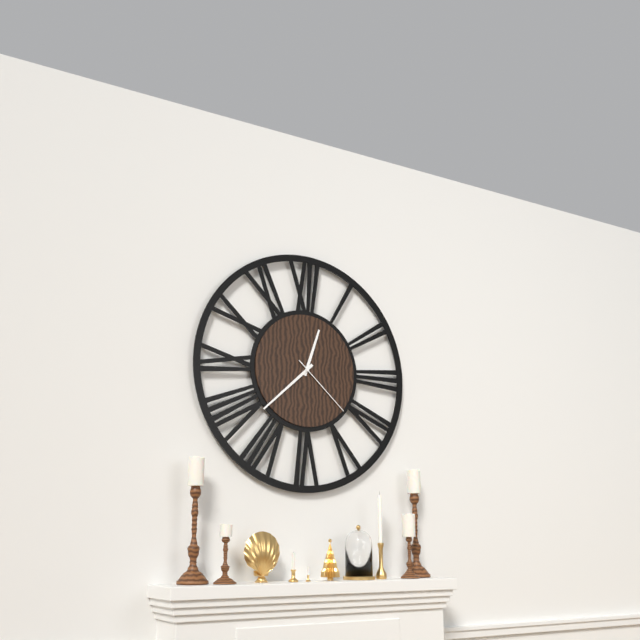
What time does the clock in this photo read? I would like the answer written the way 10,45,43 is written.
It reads 12,38,22
